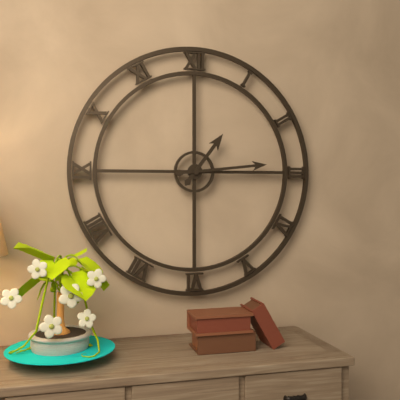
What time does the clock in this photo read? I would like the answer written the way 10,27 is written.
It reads 1,14
